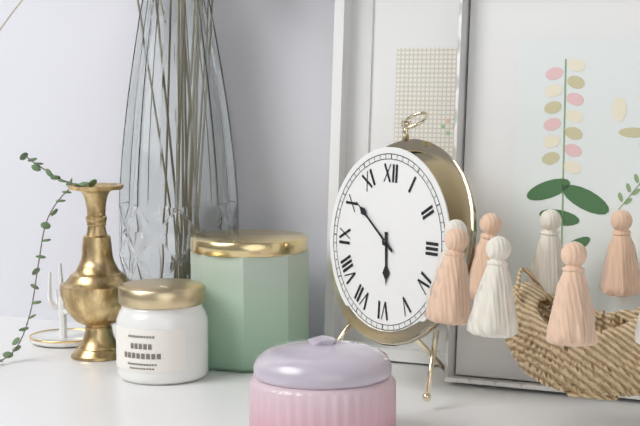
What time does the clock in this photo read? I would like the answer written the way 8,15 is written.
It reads 5,51
